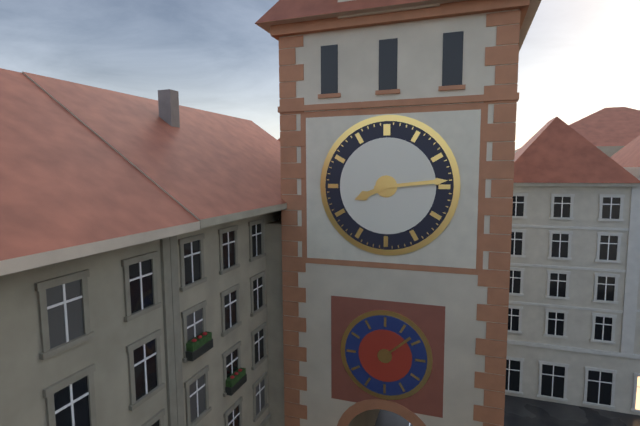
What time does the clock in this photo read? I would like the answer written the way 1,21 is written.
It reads 8,14
